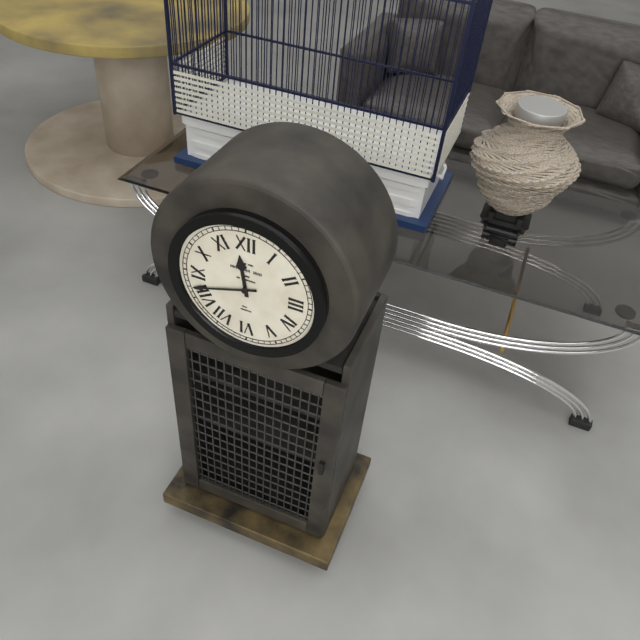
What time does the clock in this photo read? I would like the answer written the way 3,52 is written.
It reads 11,42
